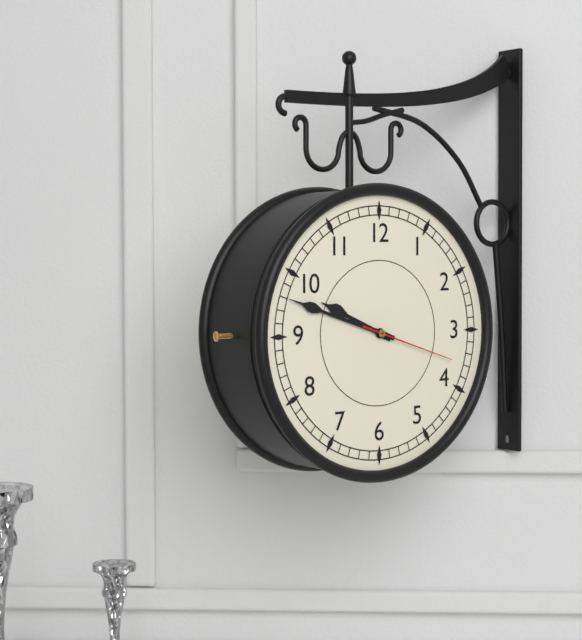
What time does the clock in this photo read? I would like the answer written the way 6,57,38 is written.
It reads 9,48,18
